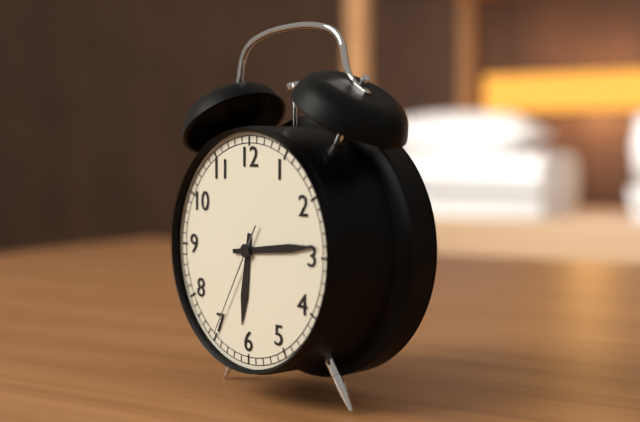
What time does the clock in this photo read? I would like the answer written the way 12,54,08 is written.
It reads 6,14,35
